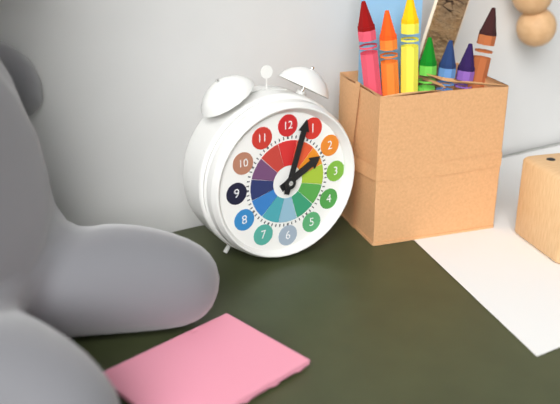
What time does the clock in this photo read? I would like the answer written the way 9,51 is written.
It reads 2,03
